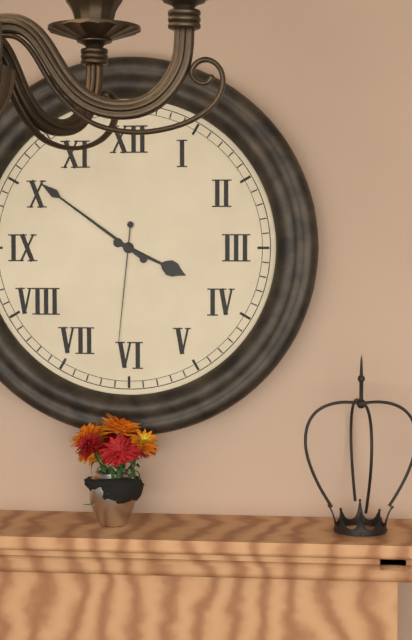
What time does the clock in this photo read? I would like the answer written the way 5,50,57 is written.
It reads 3,51,31
